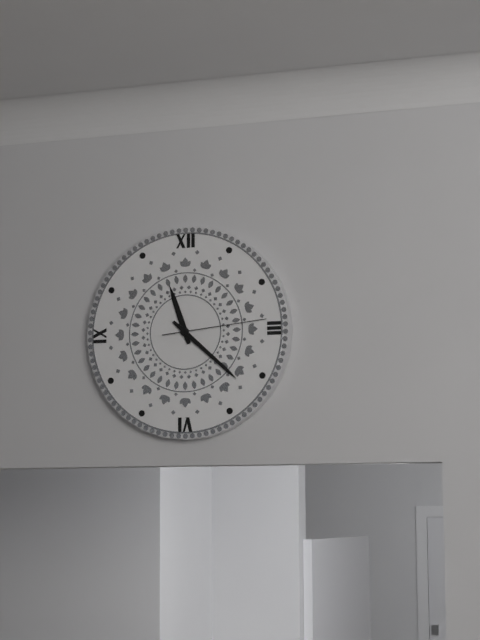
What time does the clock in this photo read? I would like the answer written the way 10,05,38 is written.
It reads 11,22,14
